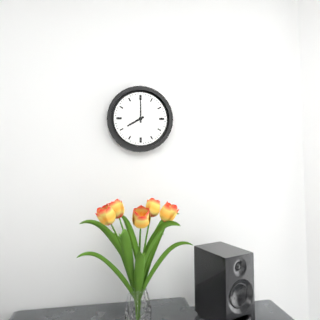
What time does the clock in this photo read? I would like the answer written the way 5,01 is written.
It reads 8,00
